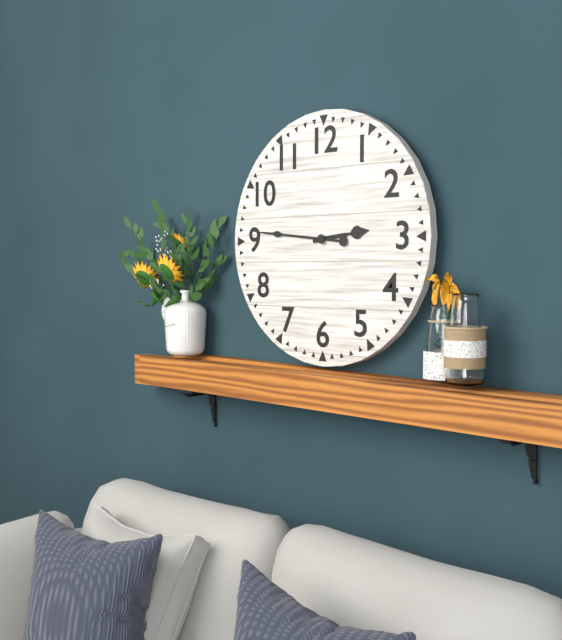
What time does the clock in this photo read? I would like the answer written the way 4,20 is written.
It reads 2,46
